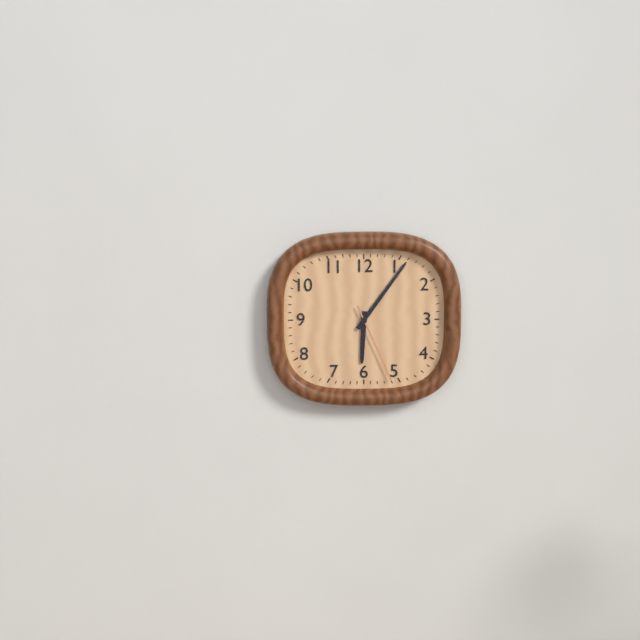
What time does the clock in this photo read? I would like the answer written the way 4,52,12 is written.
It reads 6,06,26
